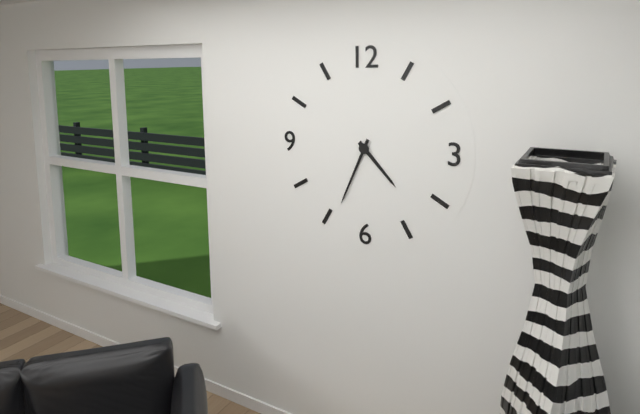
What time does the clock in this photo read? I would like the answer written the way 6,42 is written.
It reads 4,34
